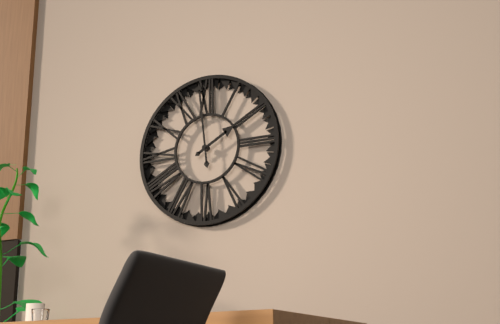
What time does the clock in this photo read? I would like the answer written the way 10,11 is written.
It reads 1,59
